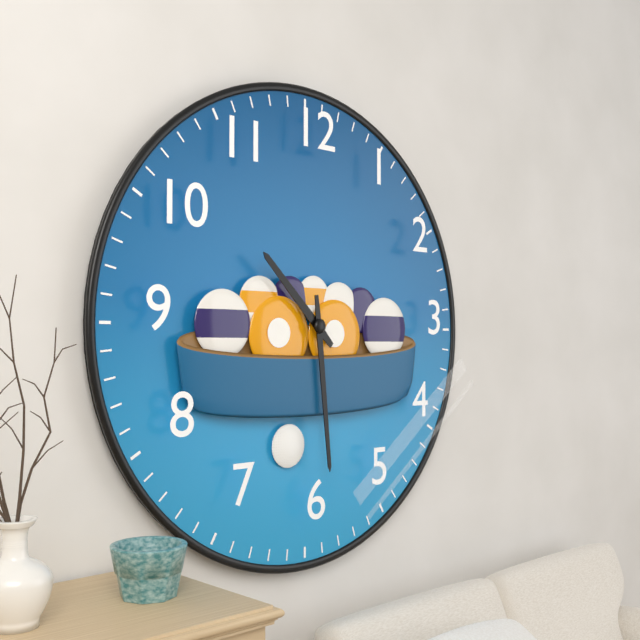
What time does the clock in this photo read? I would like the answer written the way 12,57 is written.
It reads 10,29
